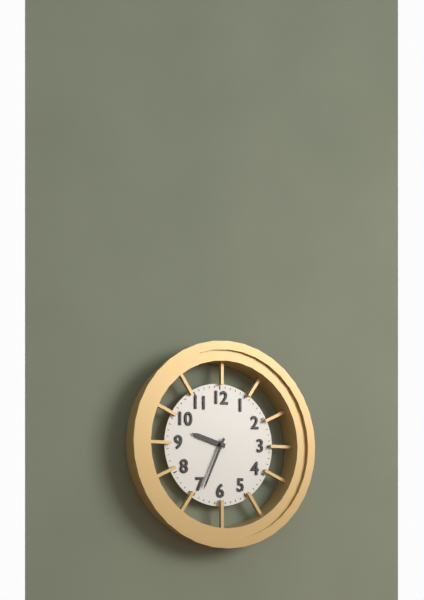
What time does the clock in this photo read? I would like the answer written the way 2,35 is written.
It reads 9,34
